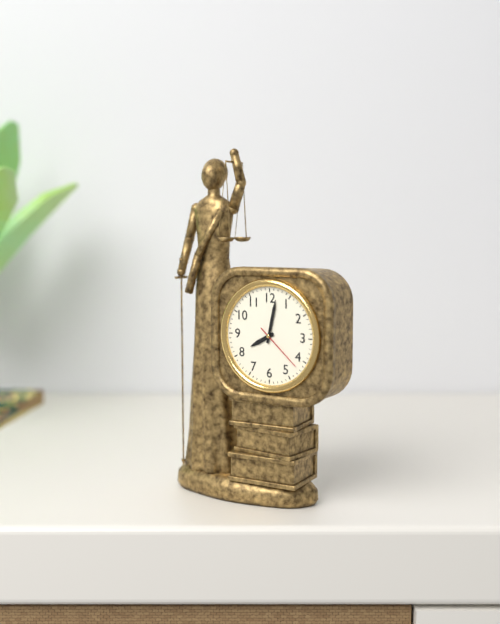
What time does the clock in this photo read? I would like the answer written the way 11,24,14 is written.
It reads 8,02,22
